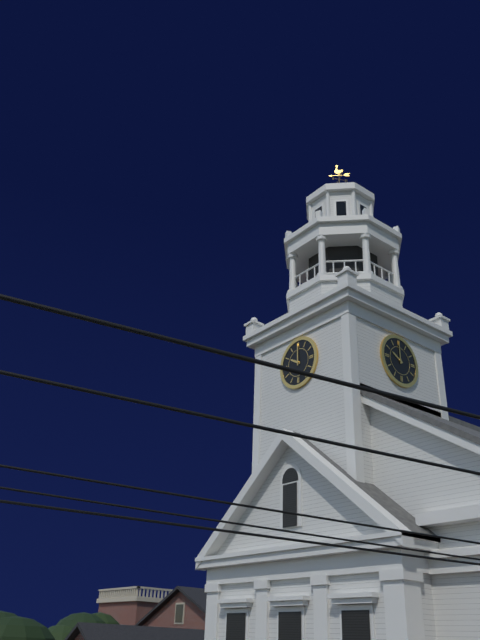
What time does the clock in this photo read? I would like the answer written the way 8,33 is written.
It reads 10,00
